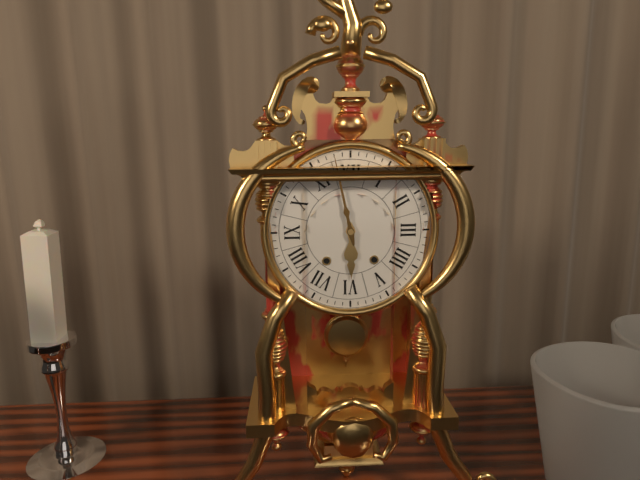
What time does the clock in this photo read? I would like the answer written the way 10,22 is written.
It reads 5,58
